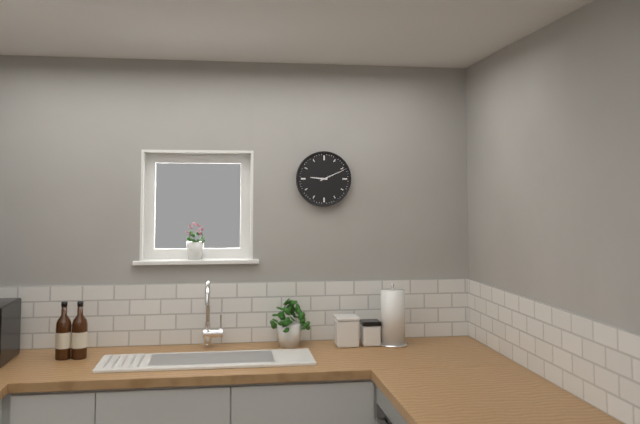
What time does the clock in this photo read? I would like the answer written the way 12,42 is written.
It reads 9,11
